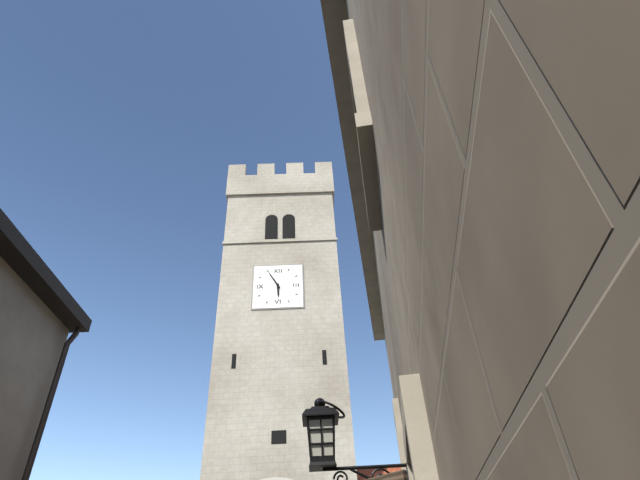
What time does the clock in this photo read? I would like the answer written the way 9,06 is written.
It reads 5,55
